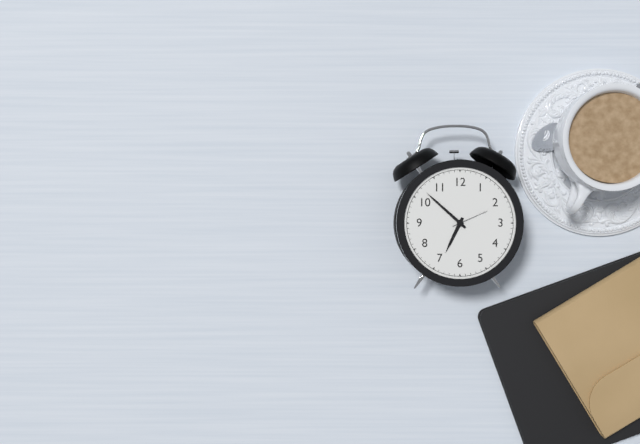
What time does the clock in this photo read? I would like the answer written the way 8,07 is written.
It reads 6,52
